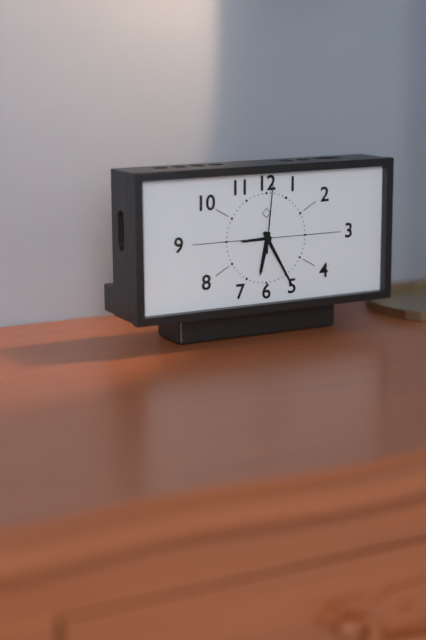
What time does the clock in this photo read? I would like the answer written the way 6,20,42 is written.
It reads 6,25,01
